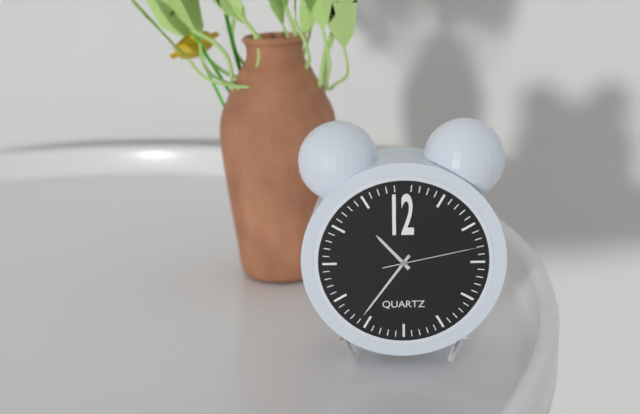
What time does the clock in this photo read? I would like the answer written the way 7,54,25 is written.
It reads 10,36,13
